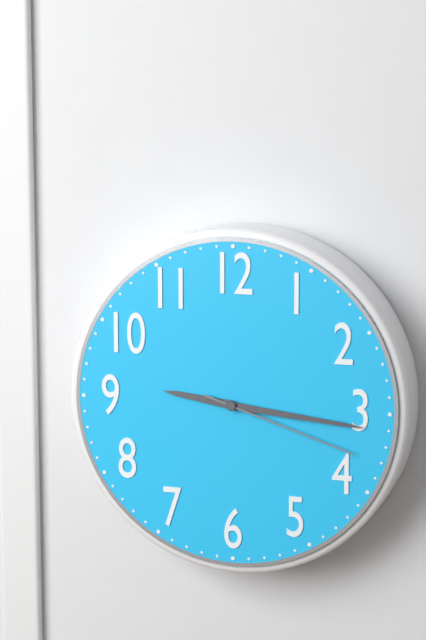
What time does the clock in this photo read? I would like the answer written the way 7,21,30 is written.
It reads 9,16,18
